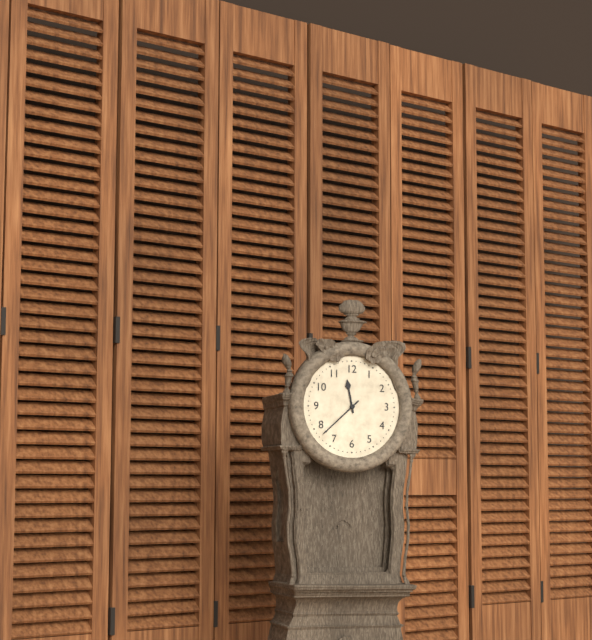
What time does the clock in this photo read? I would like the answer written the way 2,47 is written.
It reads 11,38
